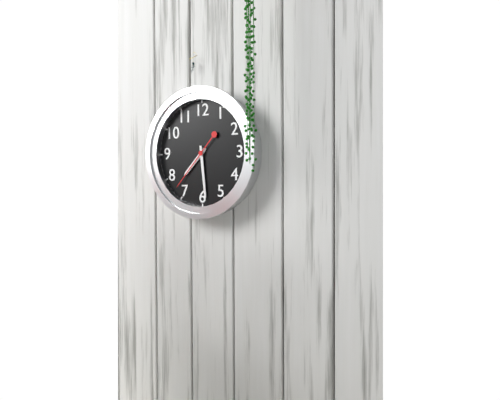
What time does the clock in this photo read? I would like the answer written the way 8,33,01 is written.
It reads 7,29,37
